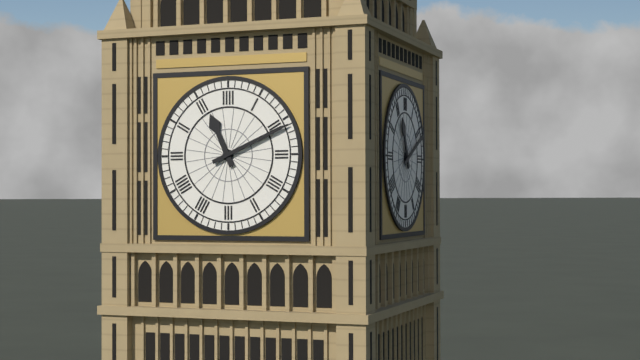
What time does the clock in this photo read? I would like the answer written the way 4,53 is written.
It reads 11,11
